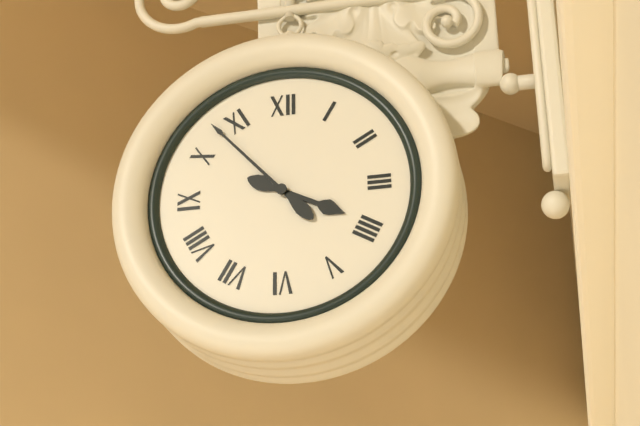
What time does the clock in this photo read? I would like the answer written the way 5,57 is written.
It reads 3,53
